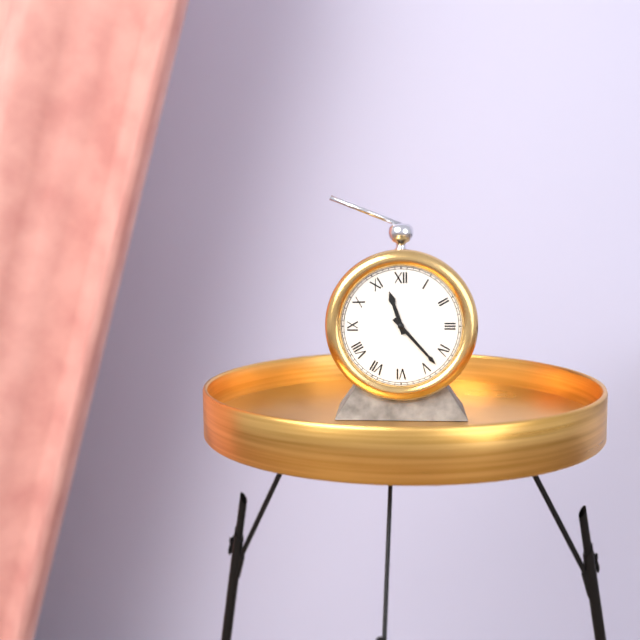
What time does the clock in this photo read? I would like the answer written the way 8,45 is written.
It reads 11,23
